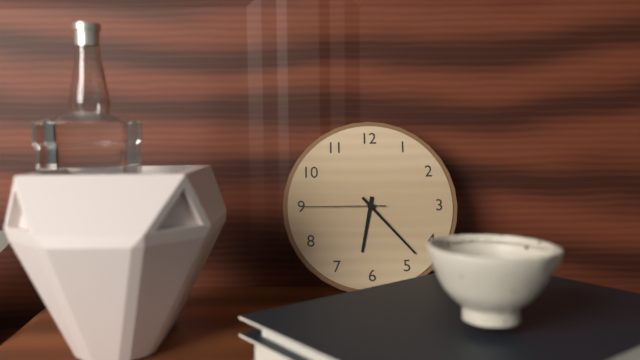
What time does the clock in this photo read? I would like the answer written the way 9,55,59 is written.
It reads 6,23,45
